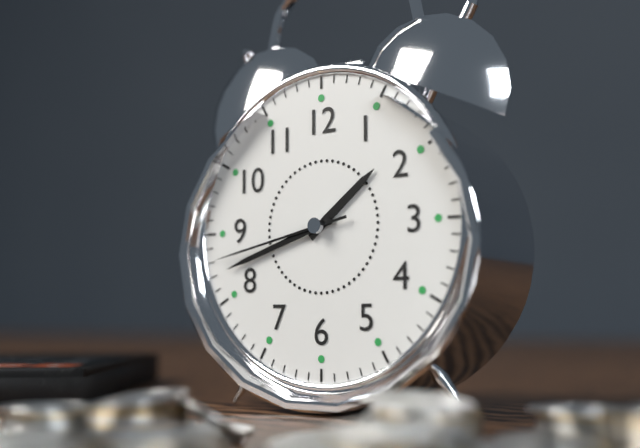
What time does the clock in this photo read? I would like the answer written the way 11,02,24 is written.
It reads 1,42,43
